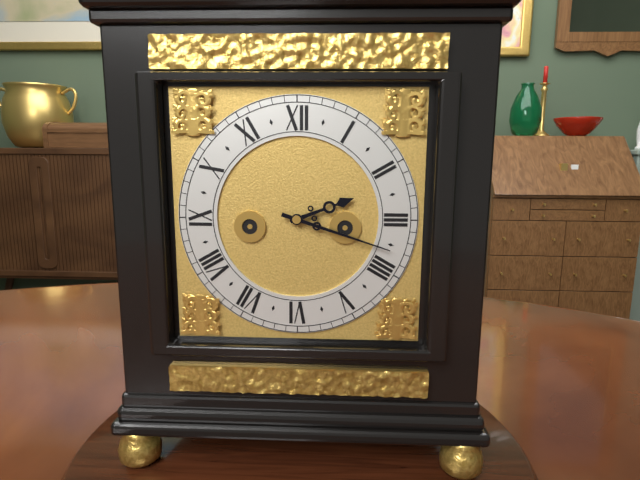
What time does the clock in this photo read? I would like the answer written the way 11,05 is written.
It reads 2,18
